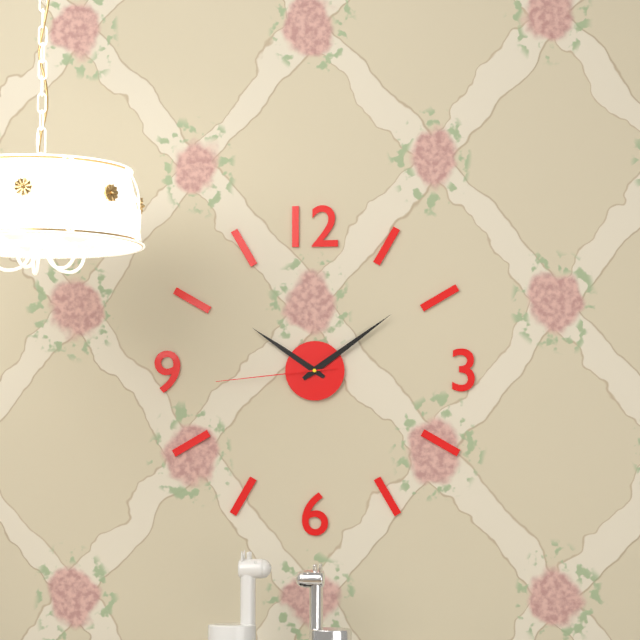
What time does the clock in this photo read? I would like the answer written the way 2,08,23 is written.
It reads 10,09,44
